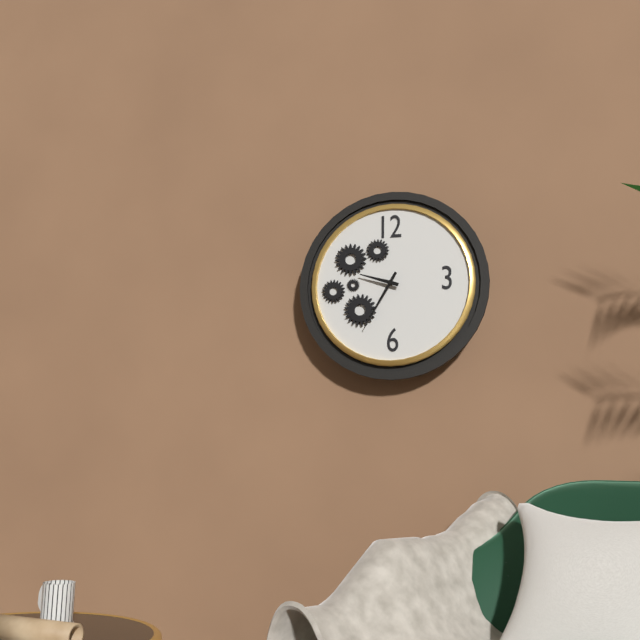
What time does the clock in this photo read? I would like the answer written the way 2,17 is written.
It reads 9,35
